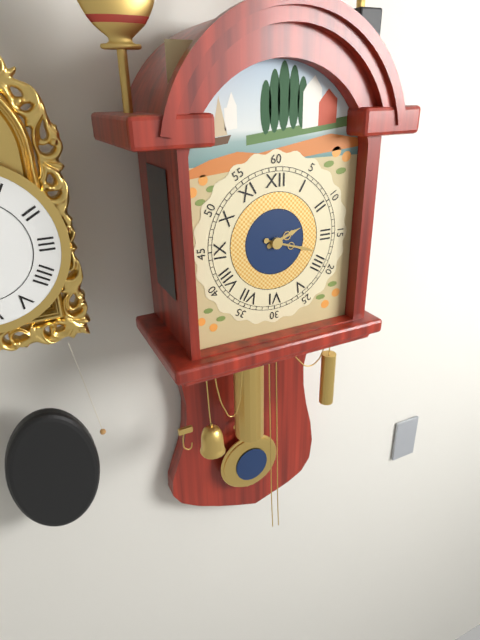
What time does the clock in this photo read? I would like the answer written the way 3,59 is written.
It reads 2,18
